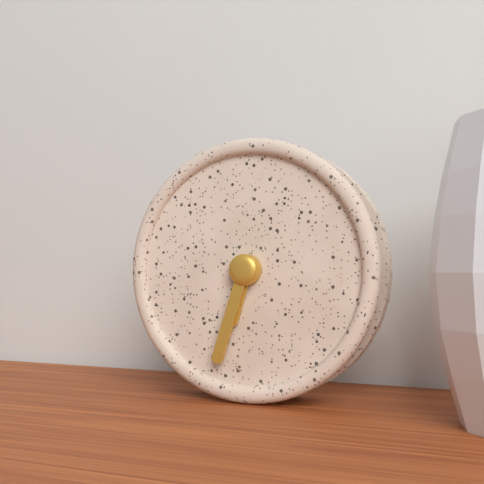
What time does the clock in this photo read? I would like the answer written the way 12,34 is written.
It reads 6,33
